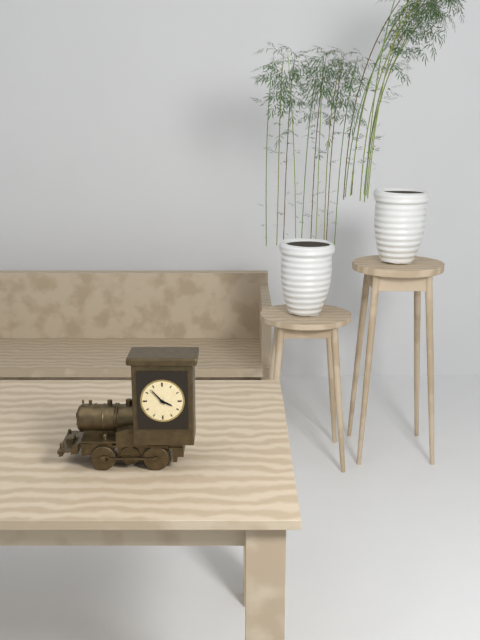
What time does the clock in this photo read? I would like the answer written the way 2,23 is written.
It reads 3,53
